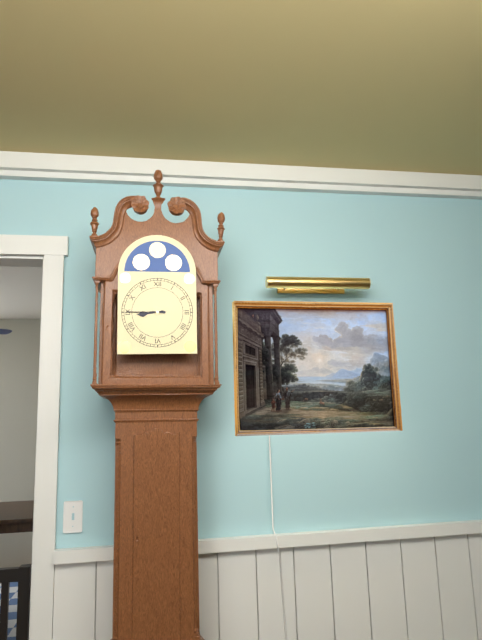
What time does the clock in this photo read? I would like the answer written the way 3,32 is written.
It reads 8,45
